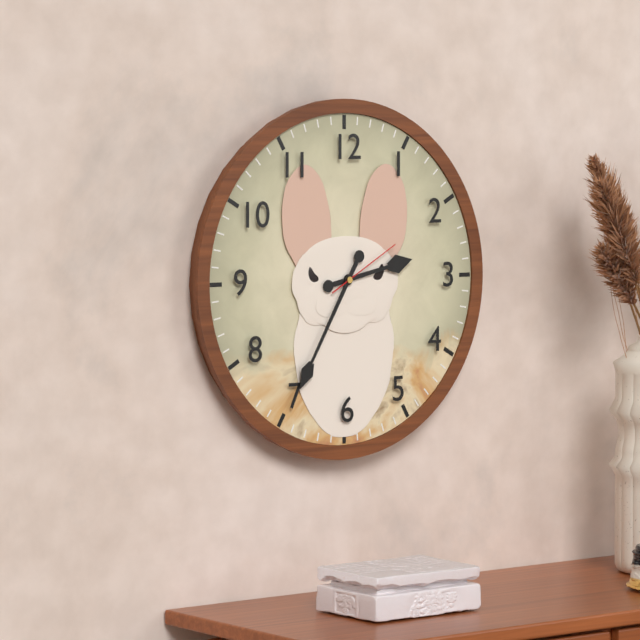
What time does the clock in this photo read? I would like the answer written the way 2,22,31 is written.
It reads 2,35,10
